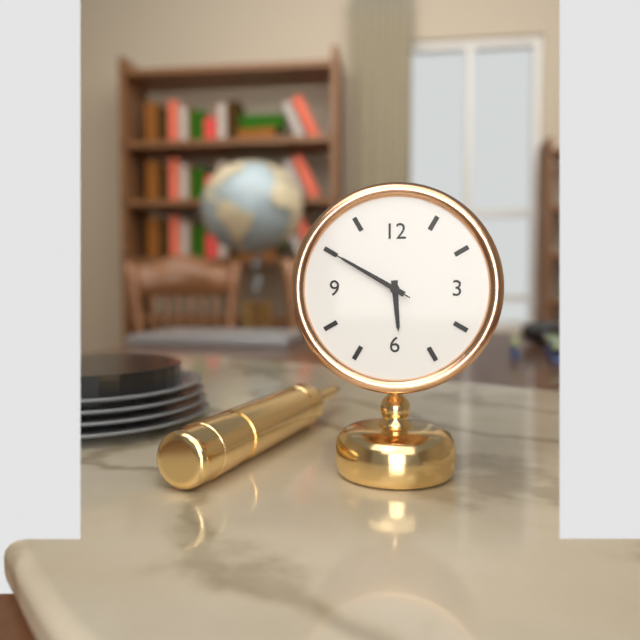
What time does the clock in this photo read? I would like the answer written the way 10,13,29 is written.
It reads 5,50,50
